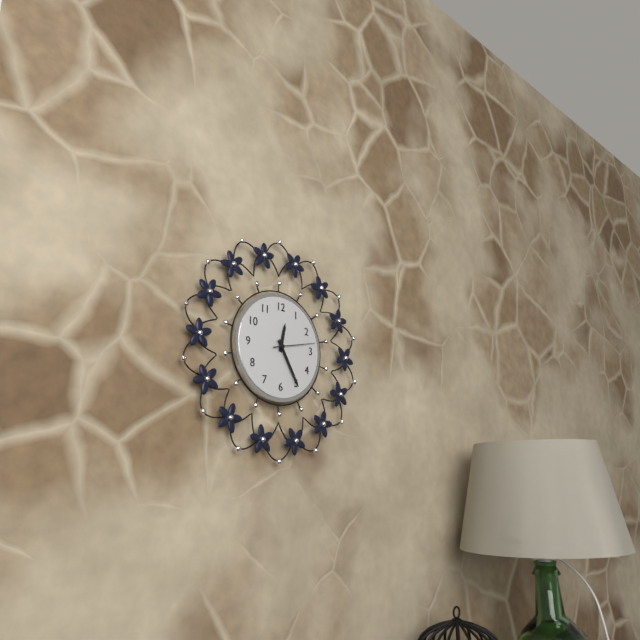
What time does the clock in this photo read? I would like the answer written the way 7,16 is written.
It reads 12,25
